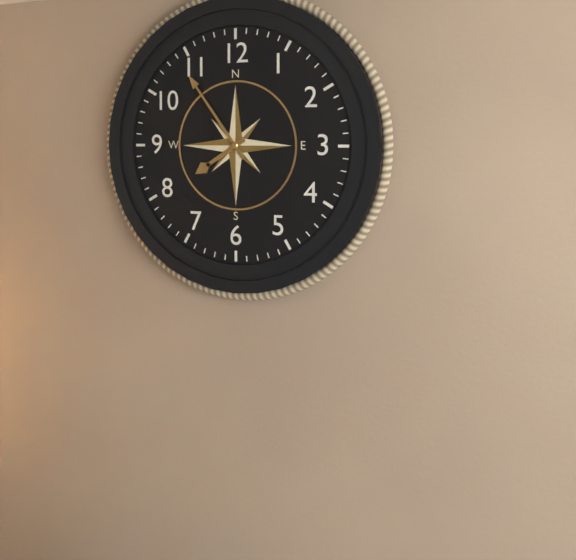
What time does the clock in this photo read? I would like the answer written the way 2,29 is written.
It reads 7,54
